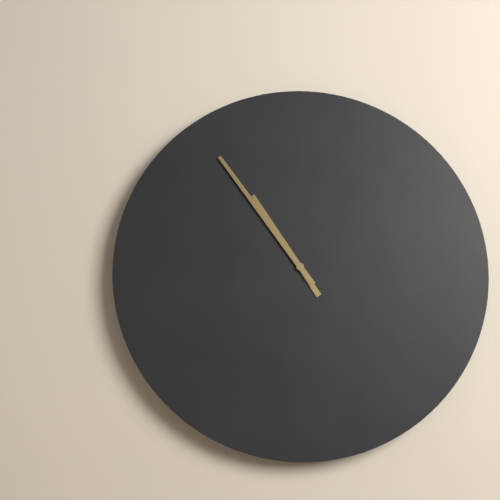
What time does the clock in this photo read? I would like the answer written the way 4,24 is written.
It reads 10,54
